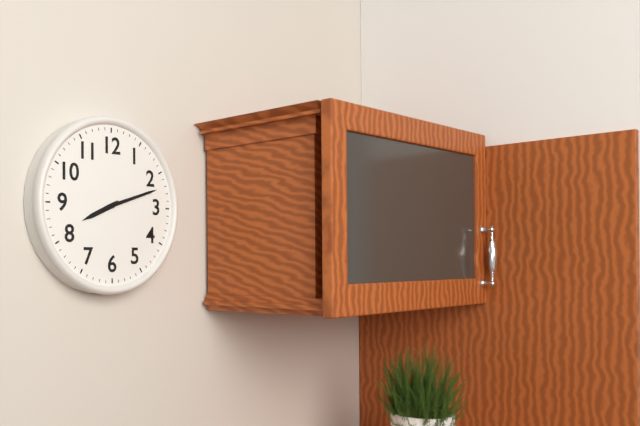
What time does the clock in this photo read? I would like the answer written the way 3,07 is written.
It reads 8,12
